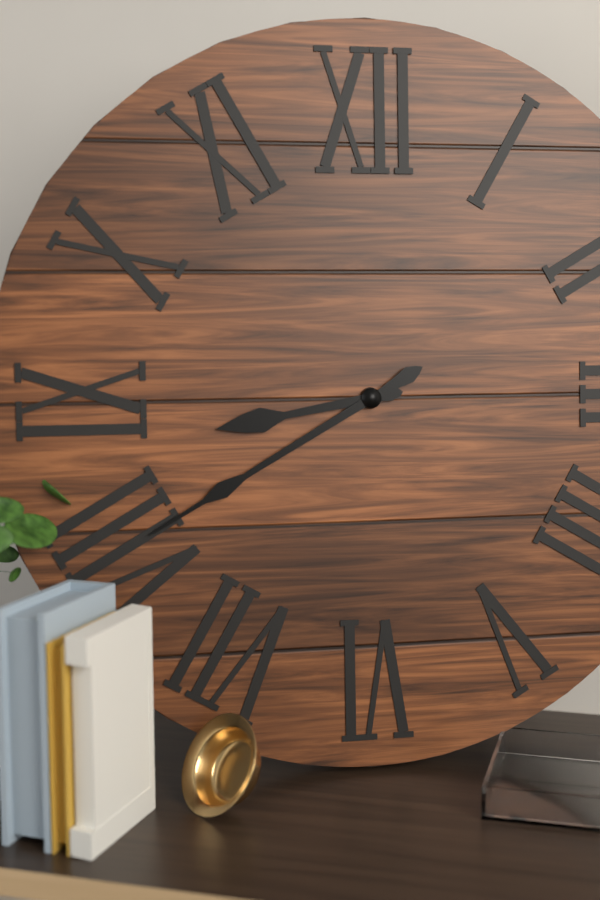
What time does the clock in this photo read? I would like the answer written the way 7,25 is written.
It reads 8,40
